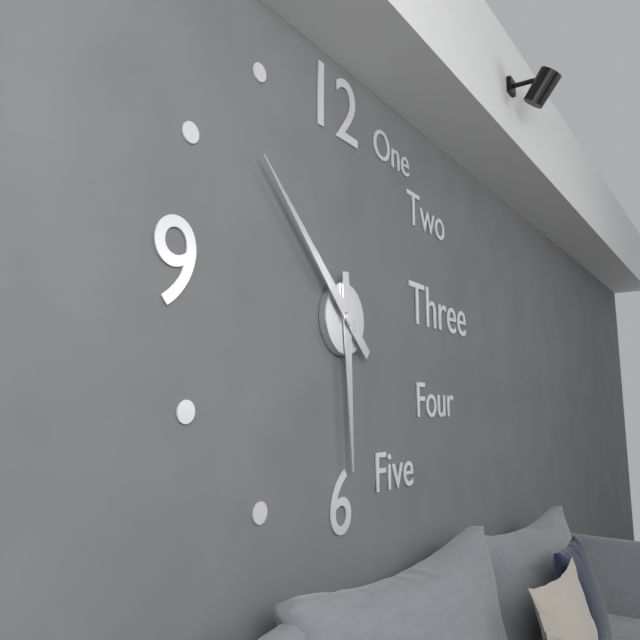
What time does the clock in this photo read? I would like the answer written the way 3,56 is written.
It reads 5,52
